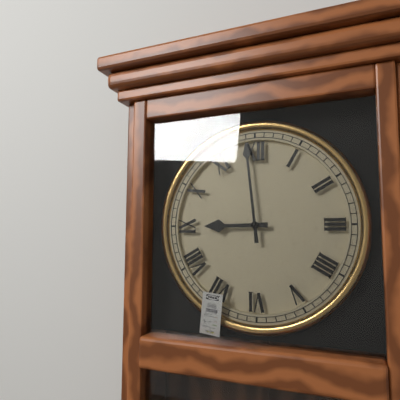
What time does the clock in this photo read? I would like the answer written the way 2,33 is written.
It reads 8,59
